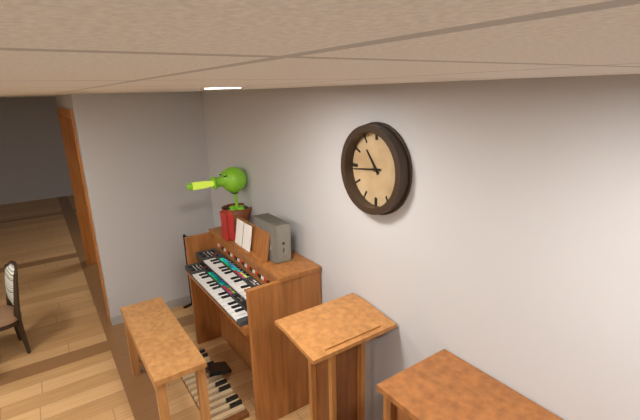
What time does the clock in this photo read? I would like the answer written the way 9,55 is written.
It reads 10,44
